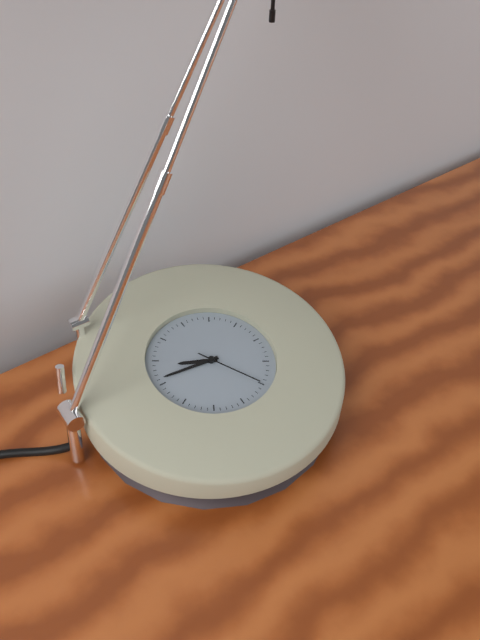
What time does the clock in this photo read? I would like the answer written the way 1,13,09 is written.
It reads 9,46,25
